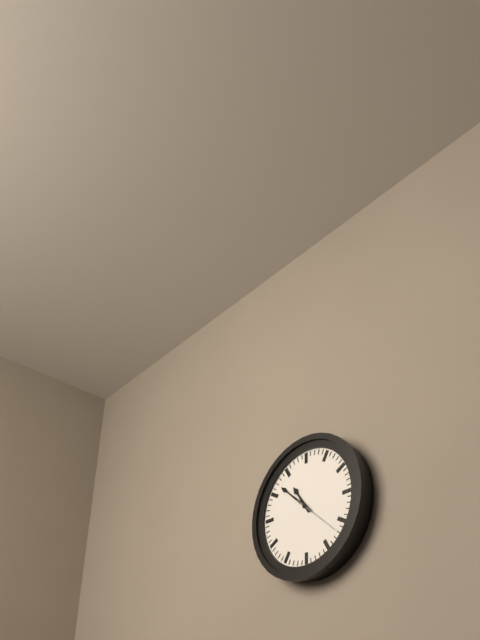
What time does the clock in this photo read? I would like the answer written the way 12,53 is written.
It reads 10,52
